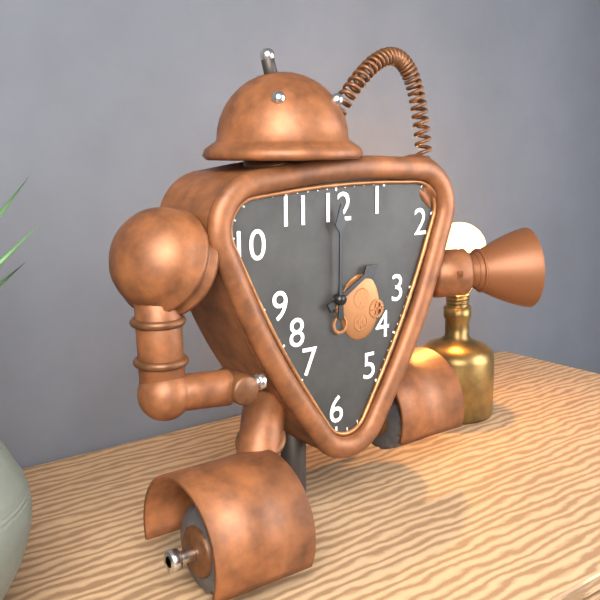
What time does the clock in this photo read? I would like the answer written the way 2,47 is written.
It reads 2,00
